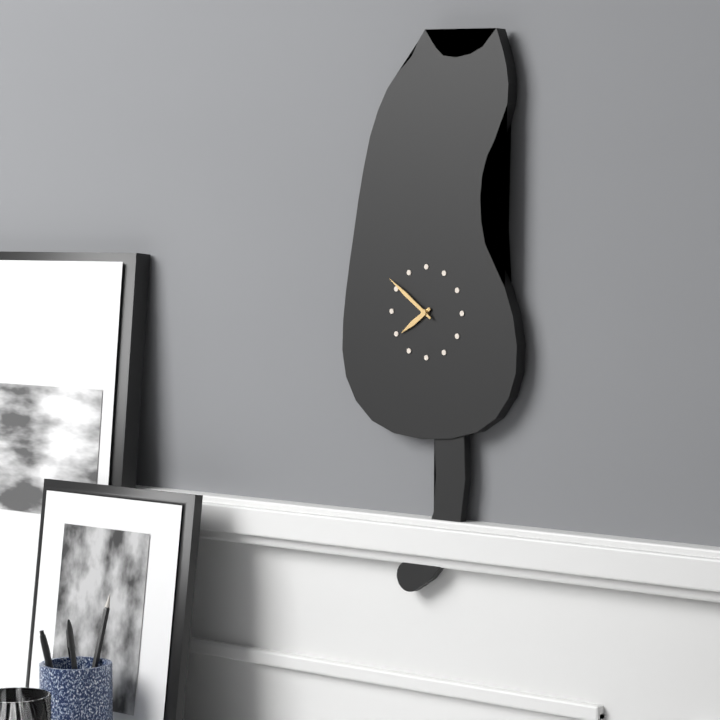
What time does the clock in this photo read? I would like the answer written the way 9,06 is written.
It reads 7,51
